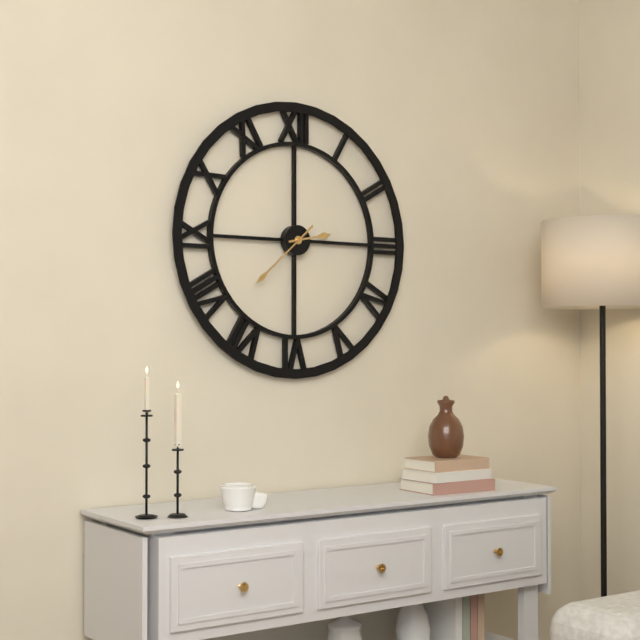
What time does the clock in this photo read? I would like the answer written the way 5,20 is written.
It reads 2,38
